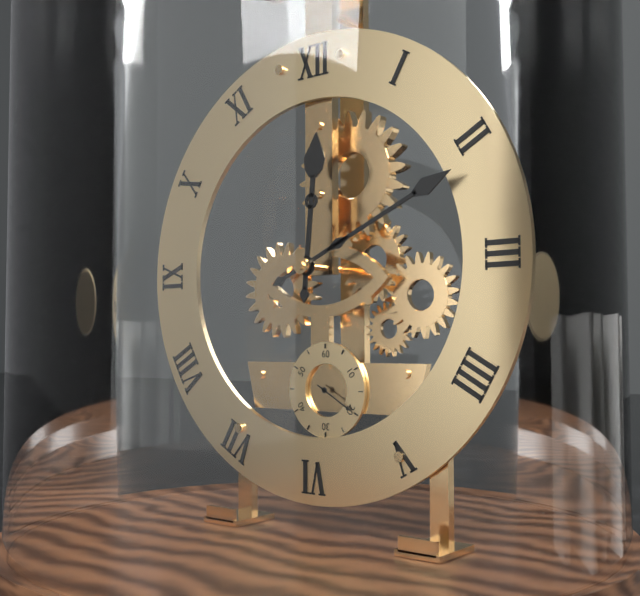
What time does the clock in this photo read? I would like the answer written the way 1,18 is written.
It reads 12,11
